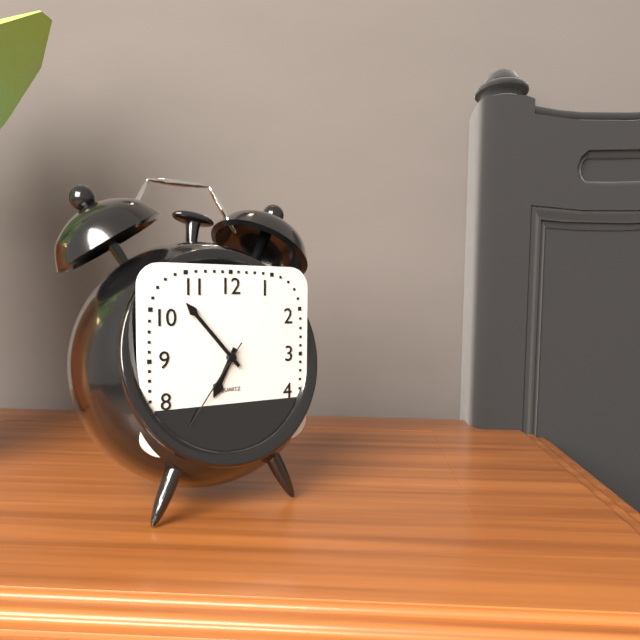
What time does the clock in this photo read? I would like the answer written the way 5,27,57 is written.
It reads 6,53,36
